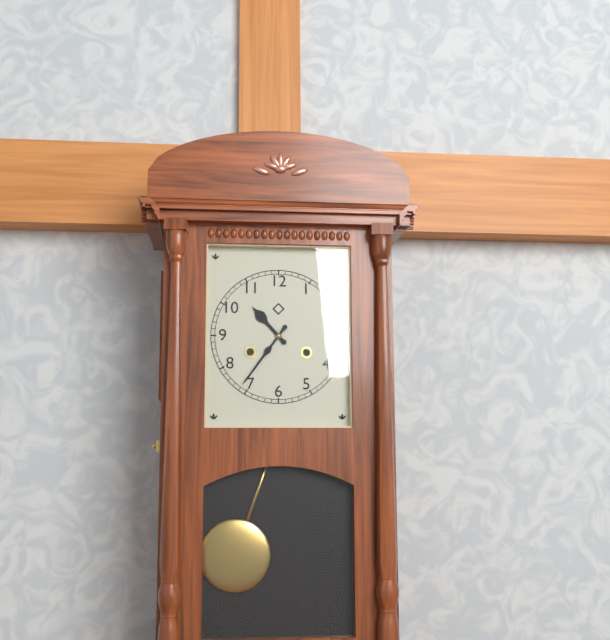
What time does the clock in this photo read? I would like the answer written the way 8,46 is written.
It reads 10,36
